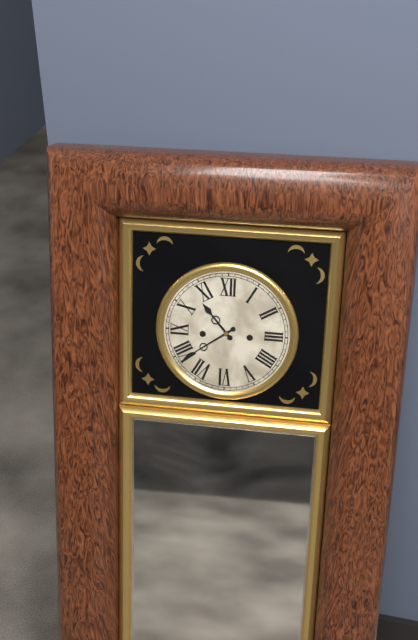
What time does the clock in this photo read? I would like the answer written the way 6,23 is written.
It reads 10,39
